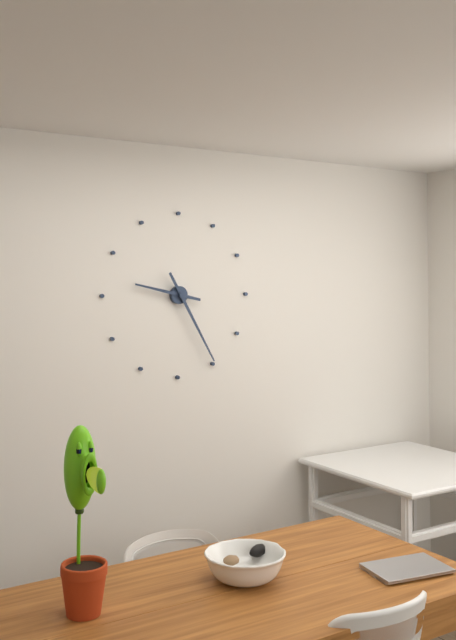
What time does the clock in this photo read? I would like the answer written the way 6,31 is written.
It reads 9,25
